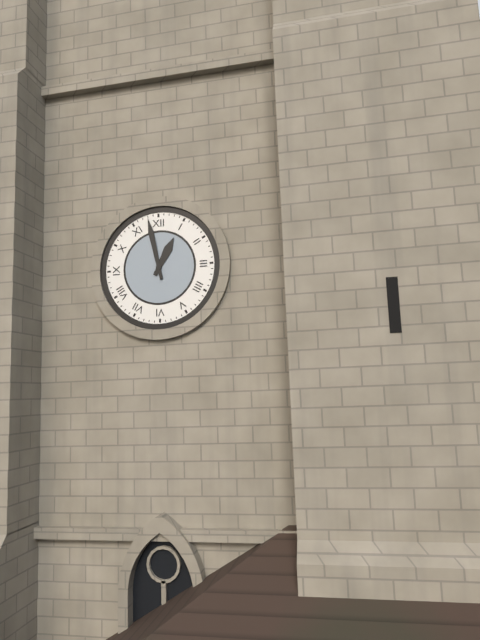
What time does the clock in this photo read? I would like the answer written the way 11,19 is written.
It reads 12,58
